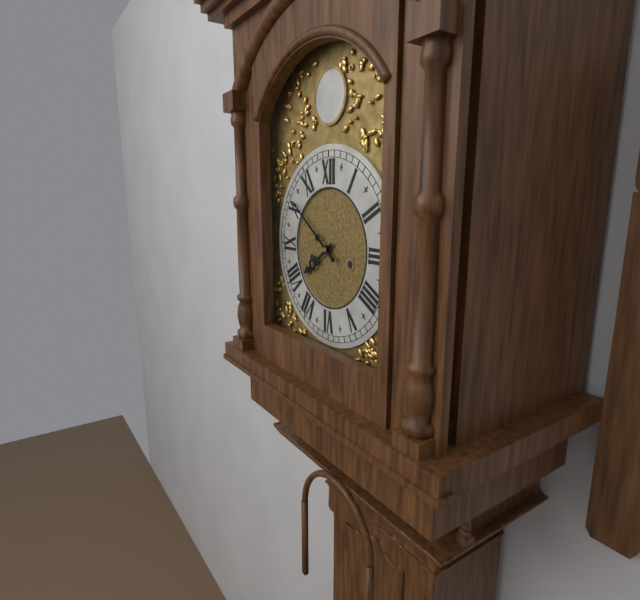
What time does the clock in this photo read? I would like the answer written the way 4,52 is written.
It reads 7,51
